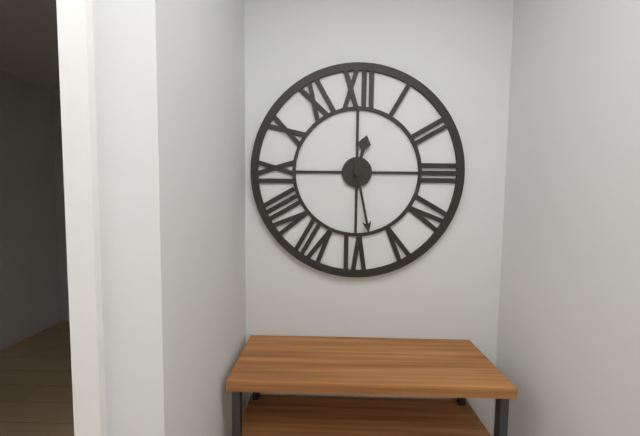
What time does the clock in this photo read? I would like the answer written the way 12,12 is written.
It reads 12,28
